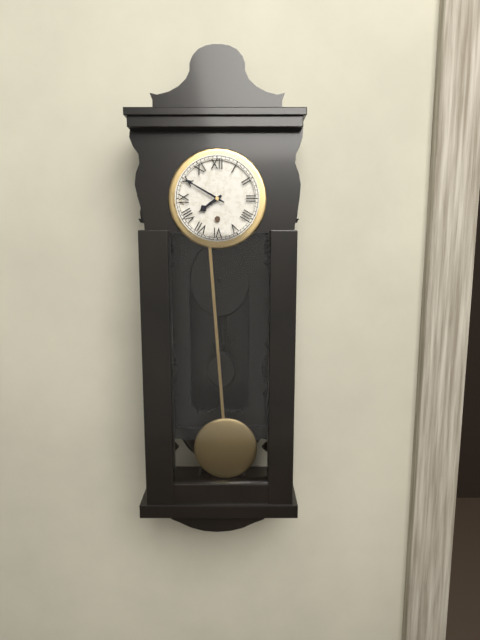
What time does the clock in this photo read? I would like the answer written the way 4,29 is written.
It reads 7,50
